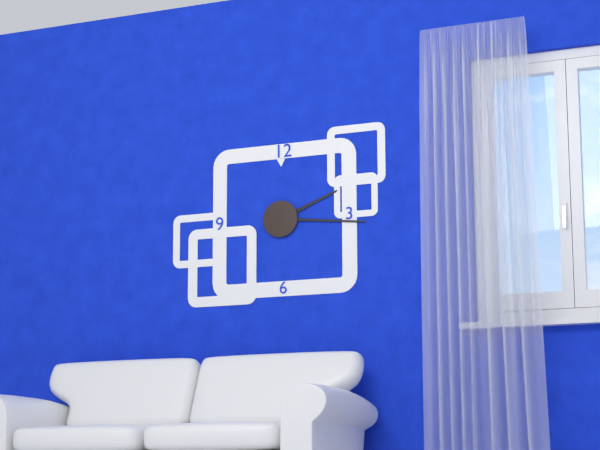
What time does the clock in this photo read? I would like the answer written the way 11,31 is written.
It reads 2,16
